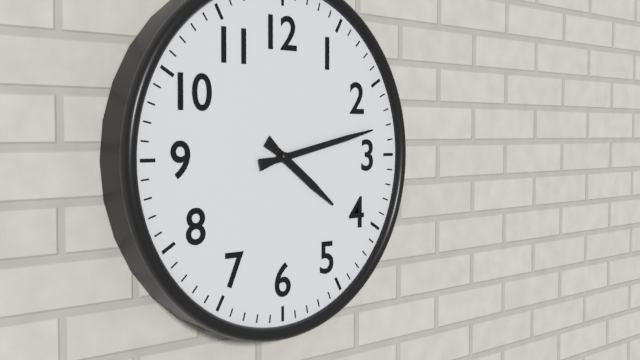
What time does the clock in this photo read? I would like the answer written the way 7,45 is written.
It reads 4,13
